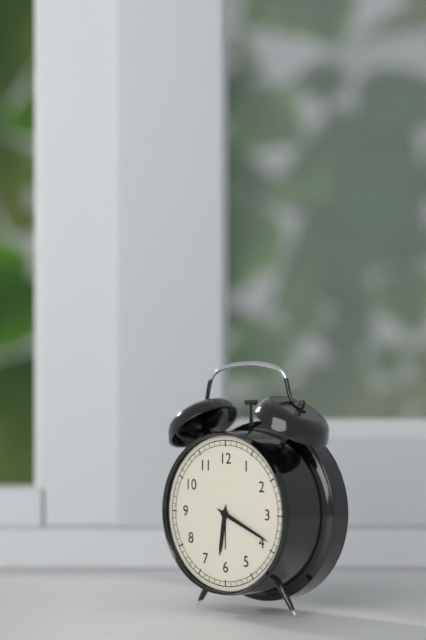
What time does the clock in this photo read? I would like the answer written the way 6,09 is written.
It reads 6,19
